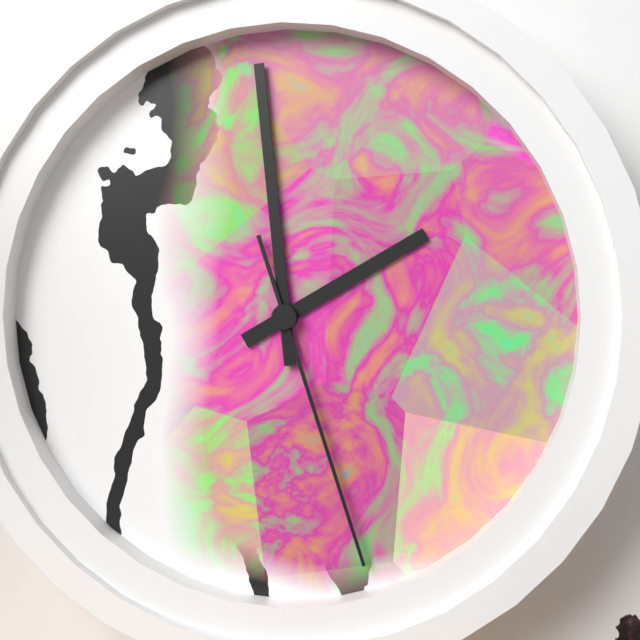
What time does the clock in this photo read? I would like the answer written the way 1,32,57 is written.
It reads 1,59,27
